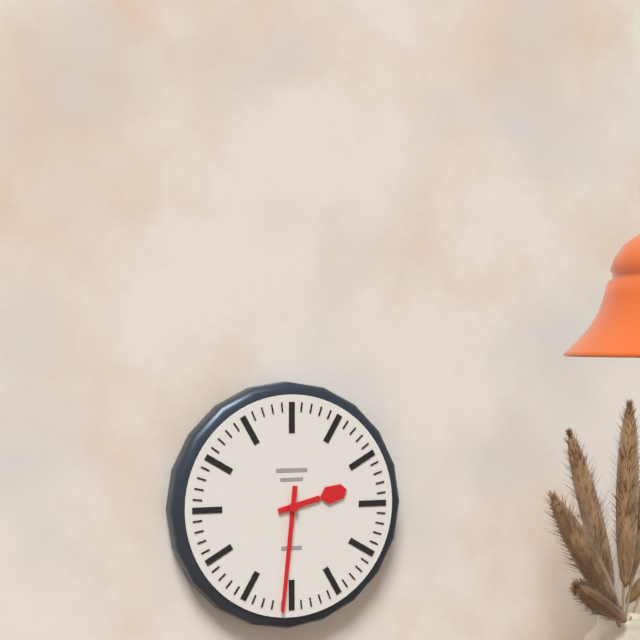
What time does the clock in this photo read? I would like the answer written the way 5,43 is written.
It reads 2,31
